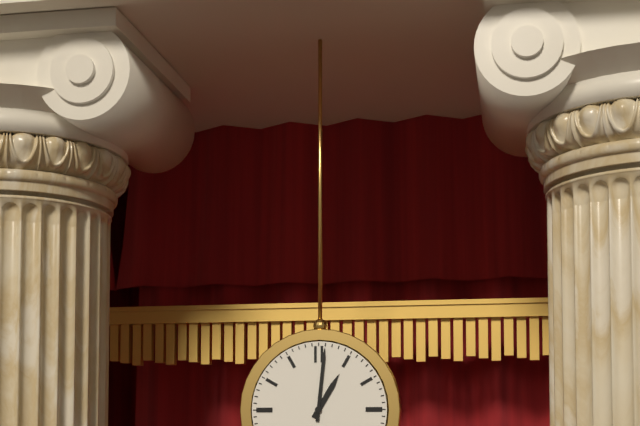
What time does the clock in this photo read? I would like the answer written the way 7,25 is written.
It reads 1,01
